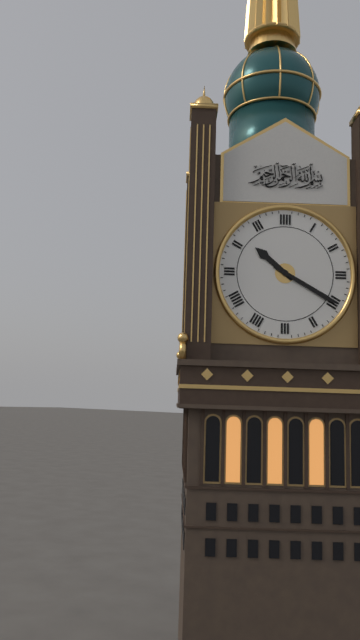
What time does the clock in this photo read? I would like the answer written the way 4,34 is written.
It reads 10,20
